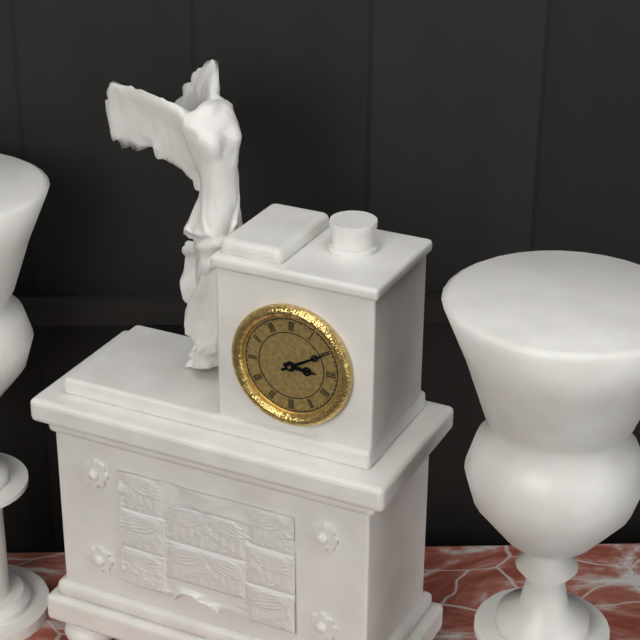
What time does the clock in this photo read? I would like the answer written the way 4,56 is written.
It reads 3,10
